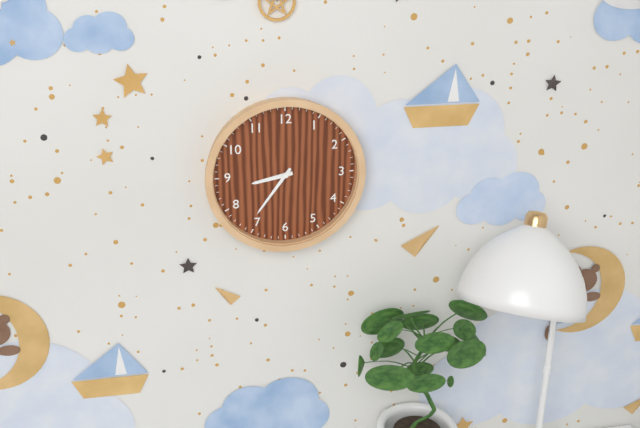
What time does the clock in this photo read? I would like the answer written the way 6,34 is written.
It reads 8,36
